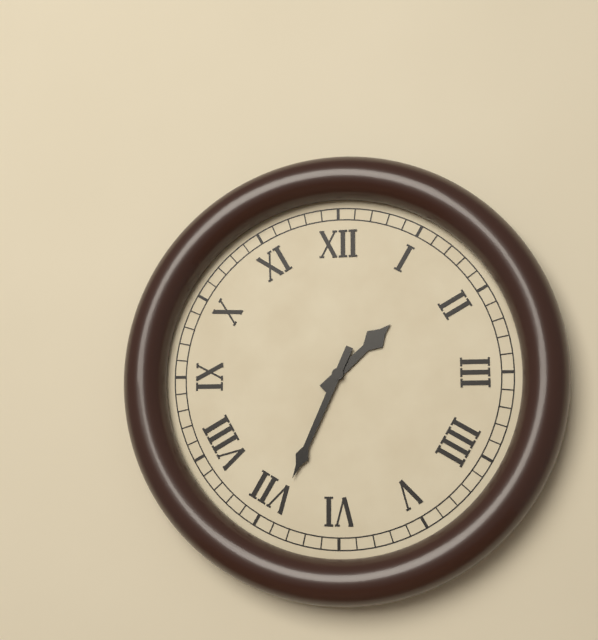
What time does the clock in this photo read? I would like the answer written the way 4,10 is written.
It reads 1,34
